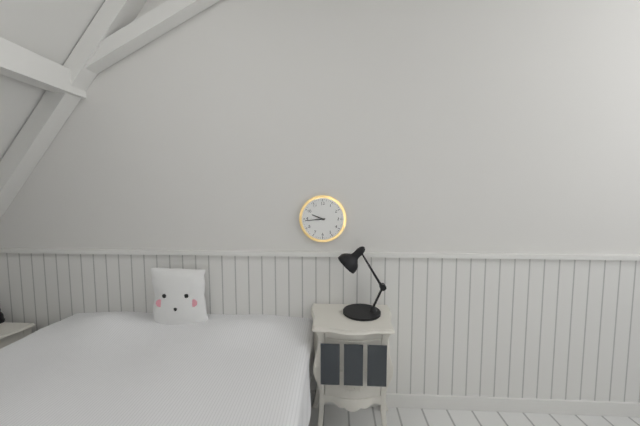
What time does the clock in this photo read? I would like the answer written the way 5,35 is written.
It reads 9,44
